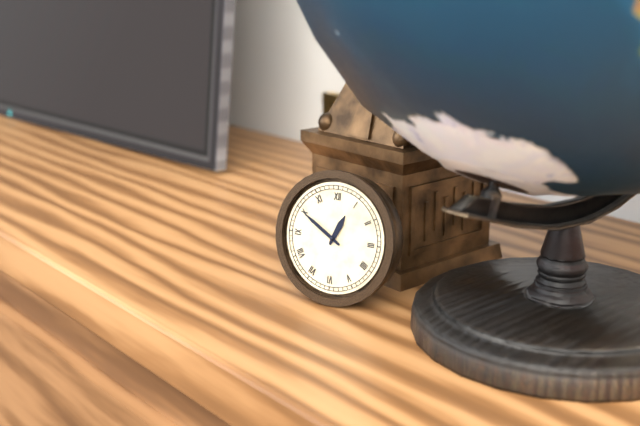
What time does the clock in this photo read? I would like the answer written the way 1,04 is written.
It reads 12,50
